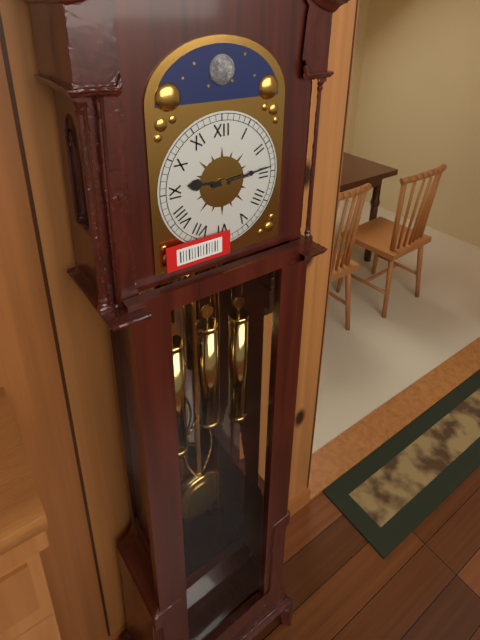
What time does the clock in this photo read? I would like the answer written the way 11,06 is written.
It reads 9,14
